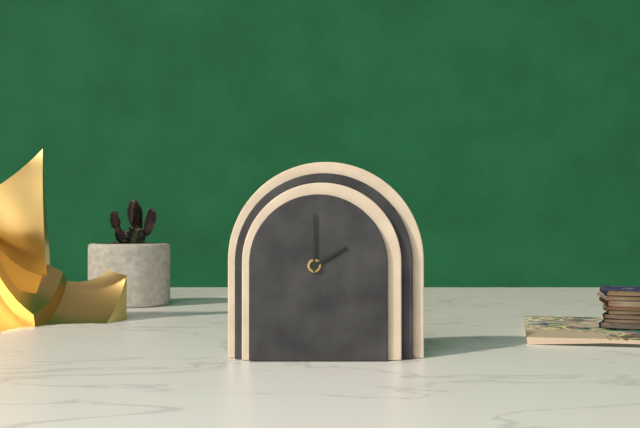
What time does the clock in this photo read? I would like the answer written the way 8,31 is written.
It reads 2,00
